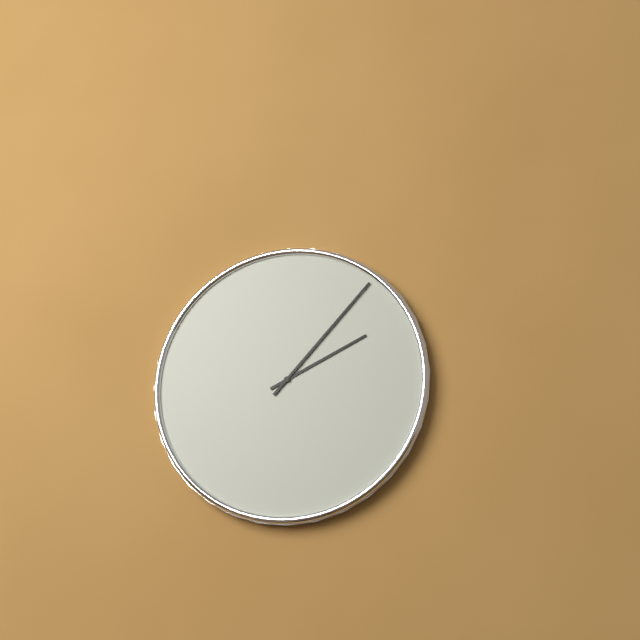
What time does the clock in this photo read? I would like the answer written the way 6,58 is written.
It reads 2,07
